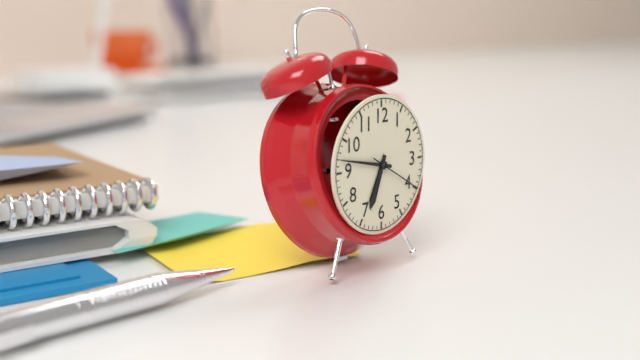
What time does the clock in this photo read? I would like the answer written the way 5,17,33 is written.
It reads 6,47,20
